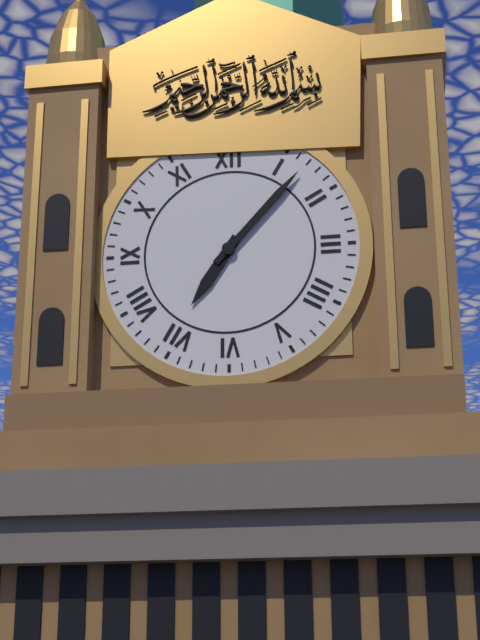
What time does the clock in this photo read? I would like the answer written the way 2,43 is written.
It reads 7,07
